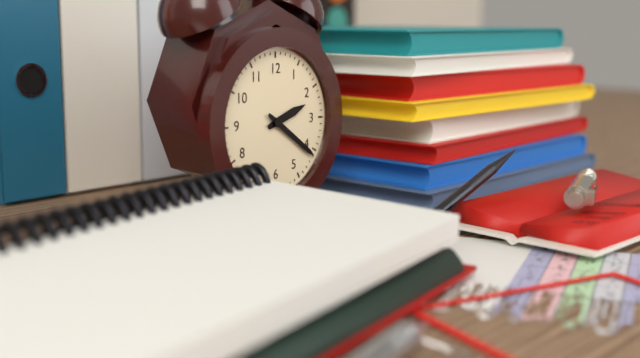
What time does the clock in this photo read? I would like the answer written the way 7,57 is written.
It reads 2,21
